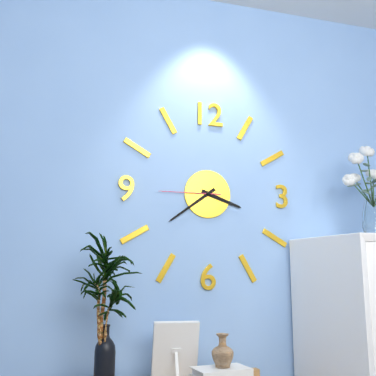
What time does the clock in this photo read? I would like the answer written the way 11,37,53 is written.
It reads 3,39,45
